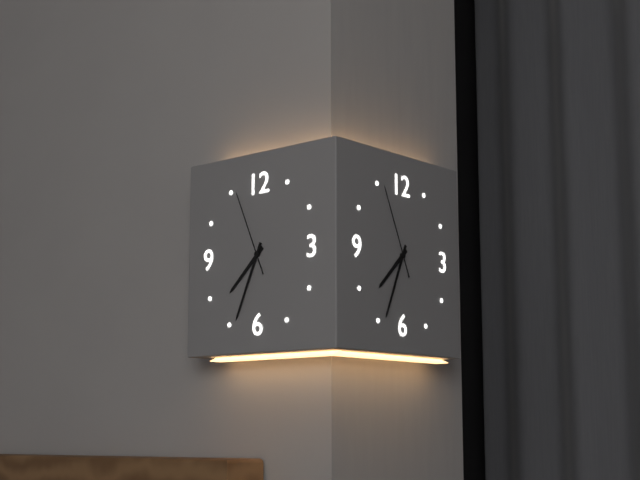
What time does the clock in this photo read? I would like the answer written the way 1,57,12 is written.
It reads 7,34,56
